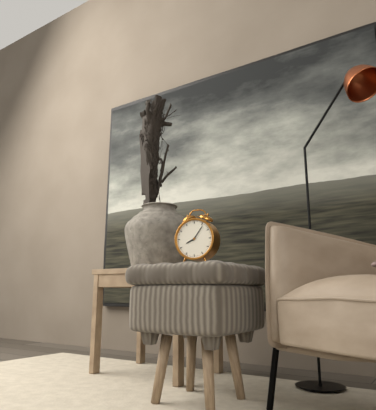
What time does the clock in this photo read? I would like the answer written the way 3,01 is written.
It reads 8,06
